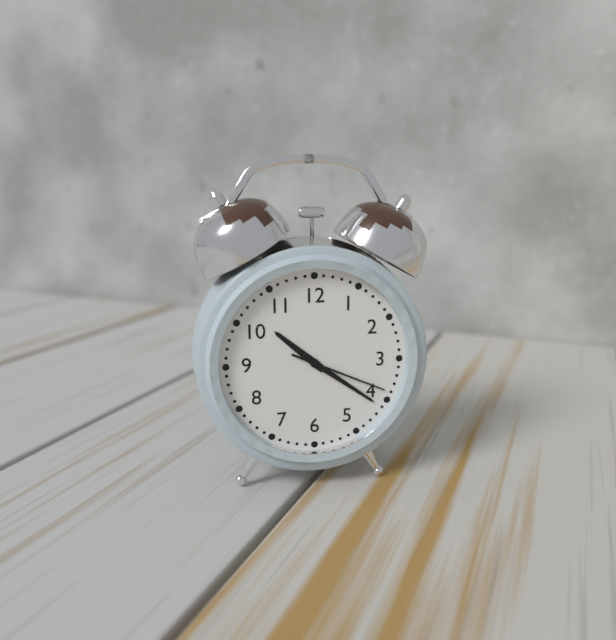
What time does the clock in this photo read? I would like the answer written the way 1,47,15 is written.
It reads 10,21,19
